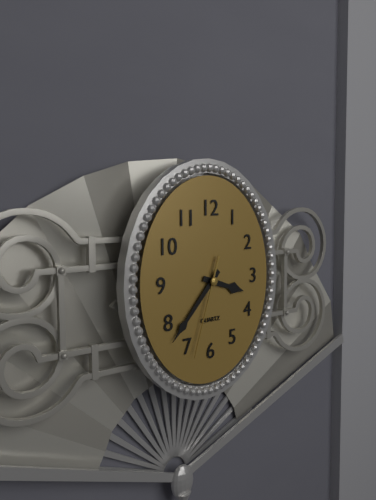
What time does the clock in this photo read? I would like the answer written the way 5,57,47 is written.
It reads 3,37,33
